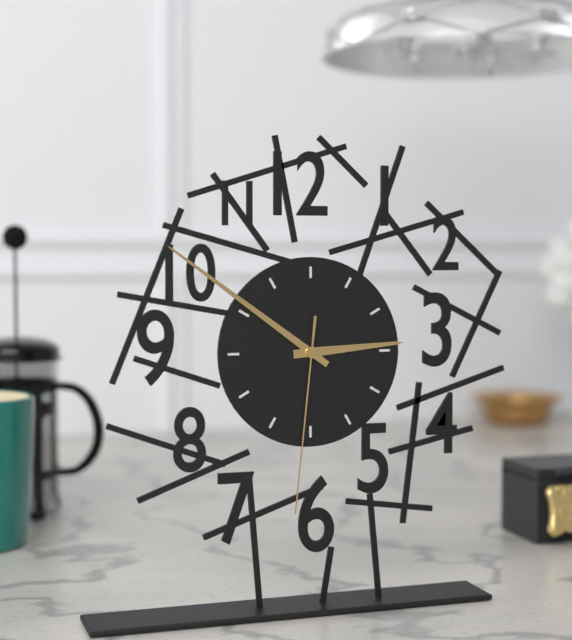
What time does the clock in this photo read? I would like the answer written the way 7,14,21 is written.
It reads 2,51,31
